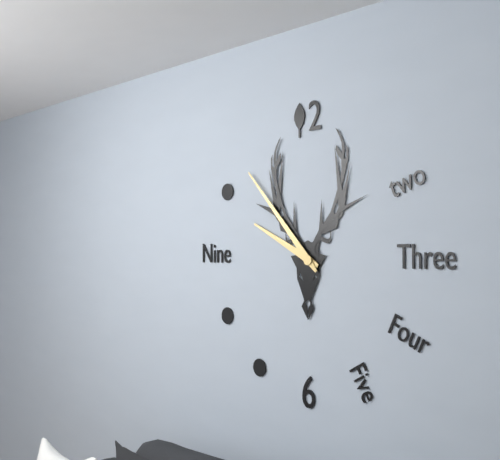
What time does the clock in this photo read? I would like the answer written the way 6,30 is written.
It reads 9,53
